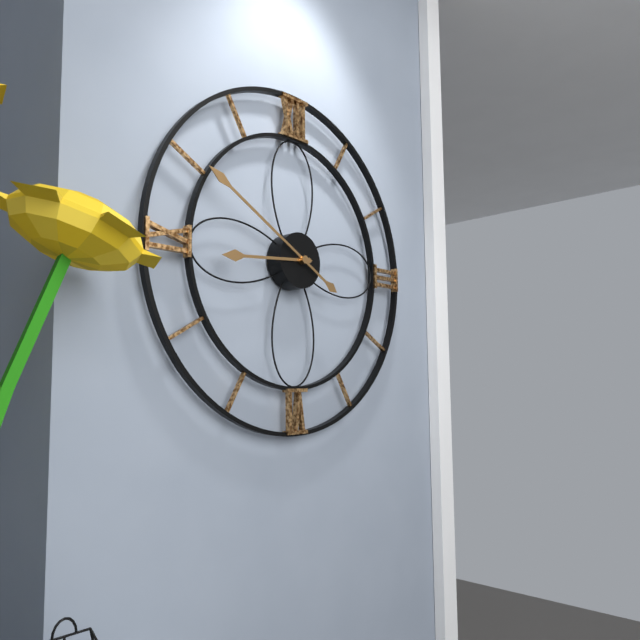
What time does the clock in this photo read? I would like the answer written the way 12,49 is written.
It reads 8,50
